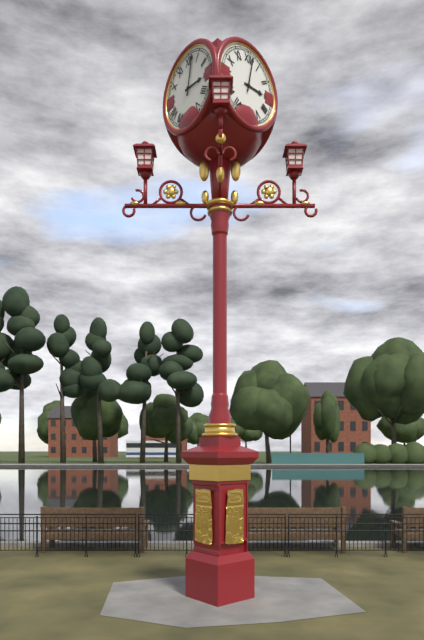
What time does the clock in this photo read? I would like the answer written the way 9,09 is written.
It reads 3,02
